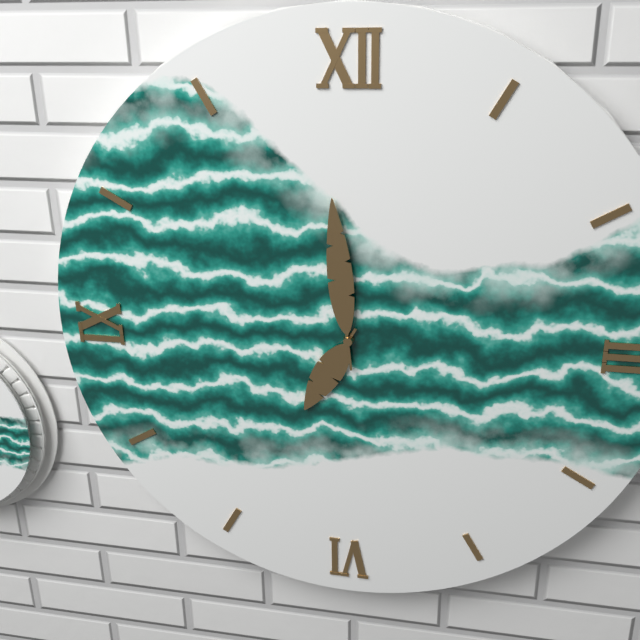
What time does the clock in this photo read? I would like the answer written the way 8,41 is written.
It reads 6,59
